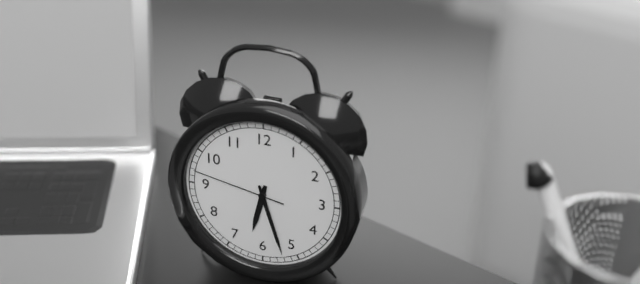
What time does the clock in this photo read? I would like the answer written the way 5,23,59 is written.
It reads 6,27,47
